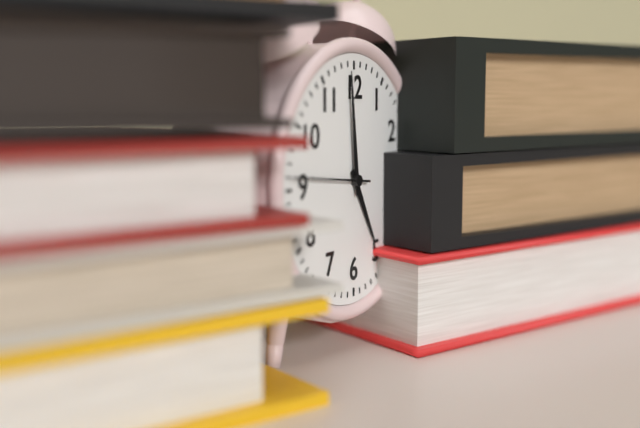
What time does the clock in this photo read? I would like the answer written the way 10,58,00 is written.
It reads 4,59,46
